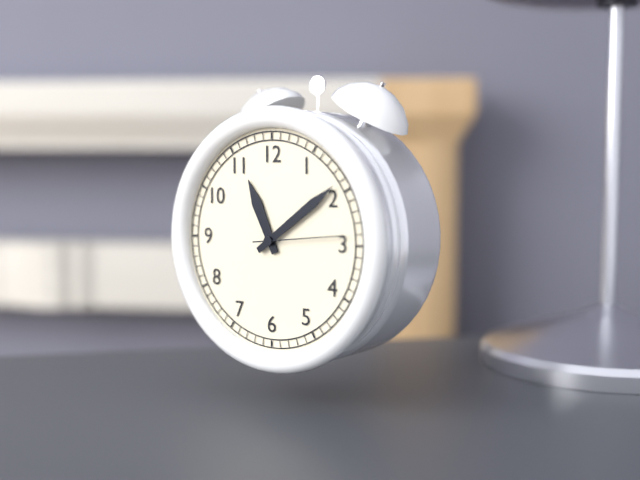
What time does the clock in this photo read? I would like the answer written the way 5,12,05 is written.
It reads 11,09,14
